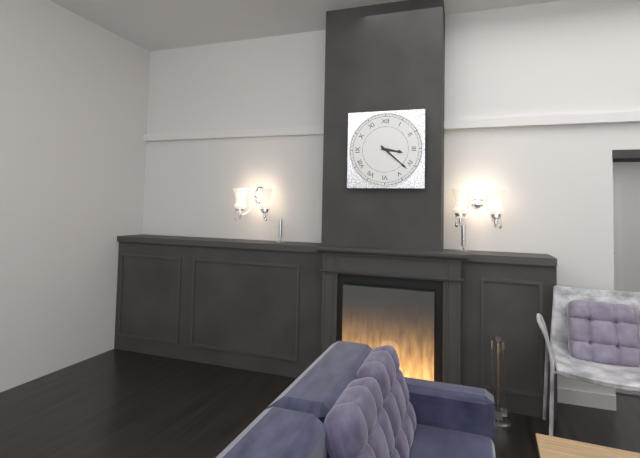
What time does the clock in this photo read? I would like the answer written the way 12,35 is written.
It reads 3,22
